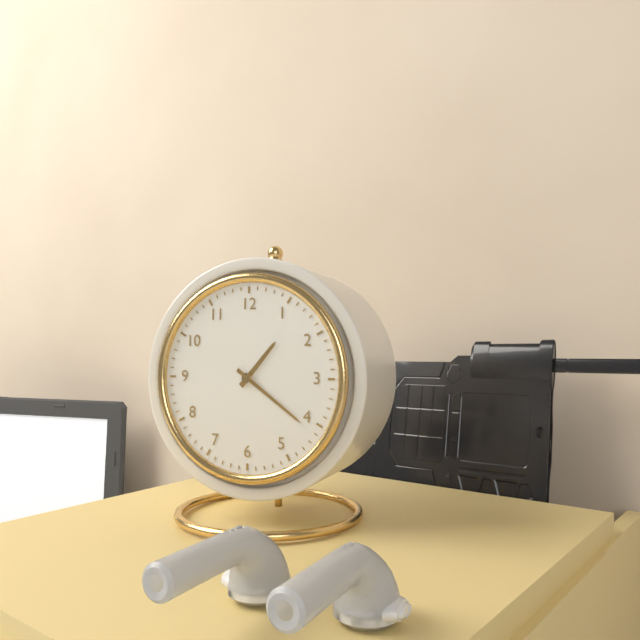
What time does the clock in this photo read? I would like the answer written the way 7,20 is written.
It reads 1,21
